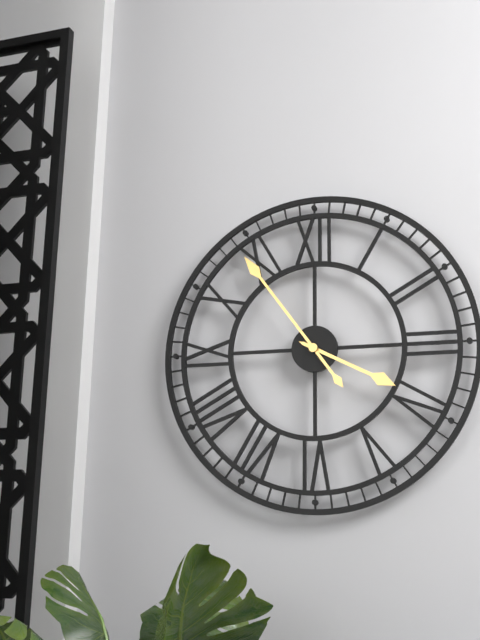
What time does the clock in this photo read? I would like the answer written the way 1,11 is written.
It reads 3,54
